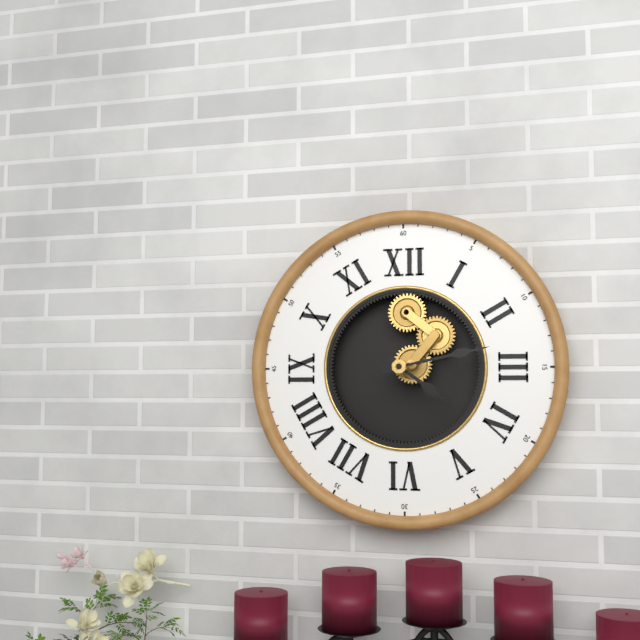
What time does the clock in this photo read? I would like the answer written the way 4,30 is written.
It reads 4,13
